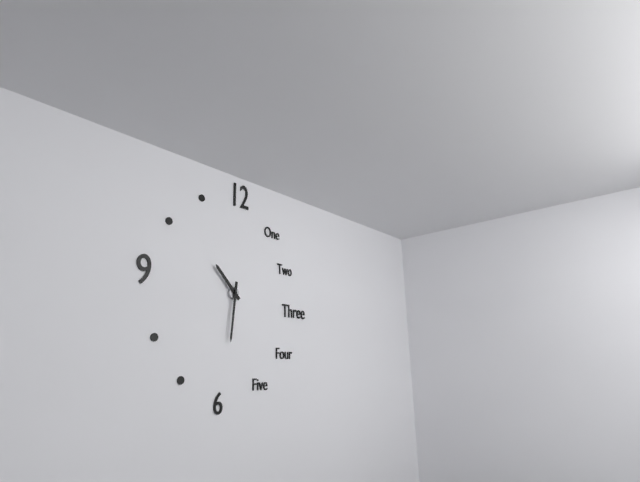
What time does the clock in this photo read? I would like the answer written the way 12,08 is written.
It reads 10,31
